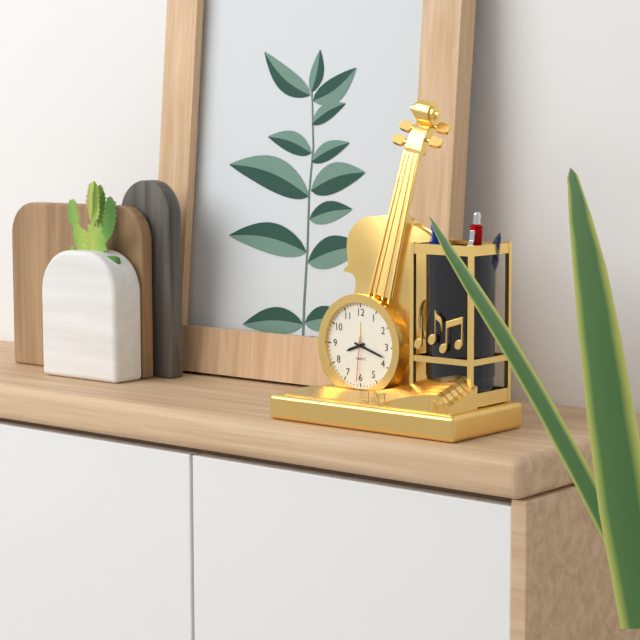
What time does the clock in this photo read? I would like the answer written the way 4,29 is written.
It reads 8,18
